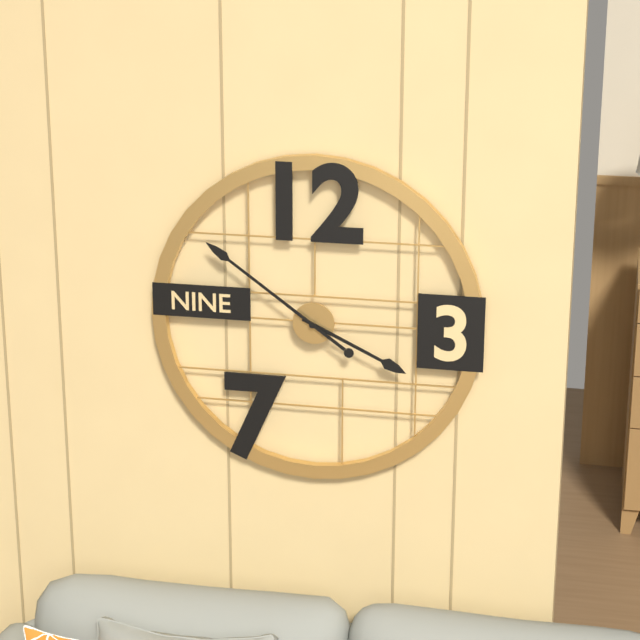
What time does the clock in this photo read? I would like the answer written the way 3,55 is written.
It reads 3,51
